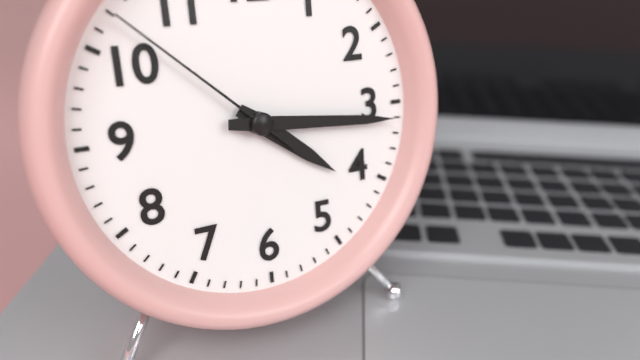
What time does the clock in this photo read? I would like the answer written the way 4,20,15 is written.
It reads 4,16,52
